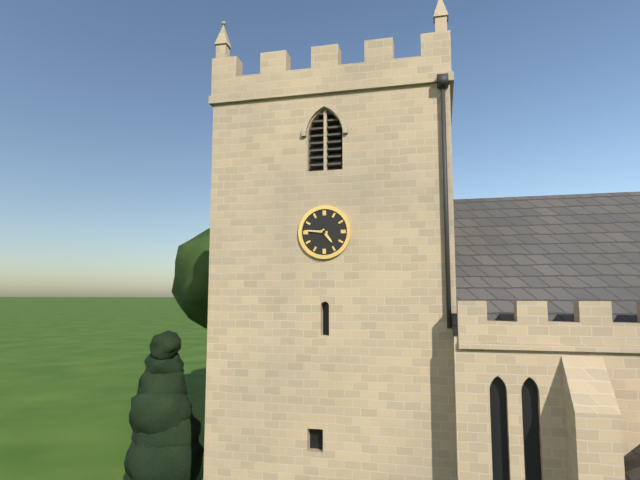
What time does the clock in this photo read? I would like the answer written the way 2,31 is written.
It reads 4,46
